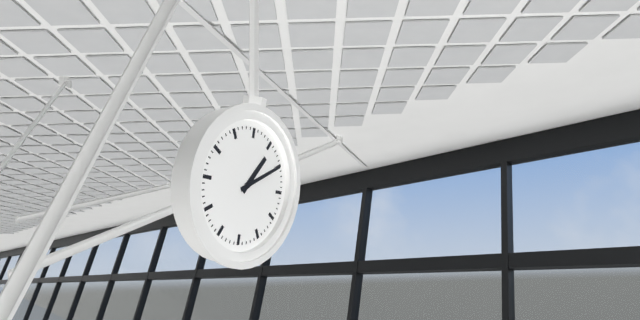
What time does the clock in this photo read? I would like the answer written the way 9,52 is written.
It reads 1,10
